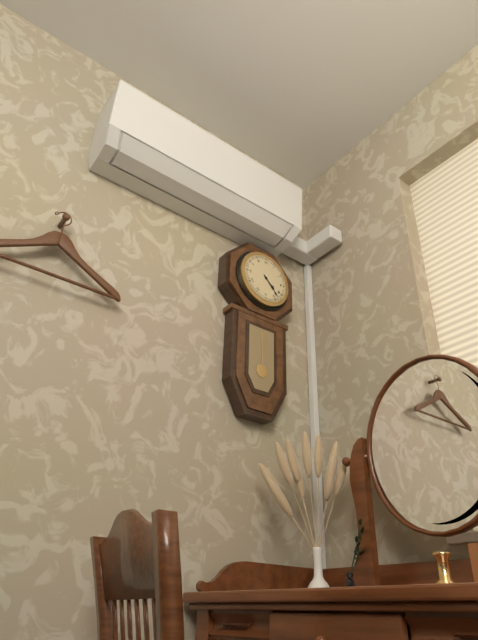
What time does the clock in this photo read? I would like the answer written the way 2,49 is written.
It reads 4,23
